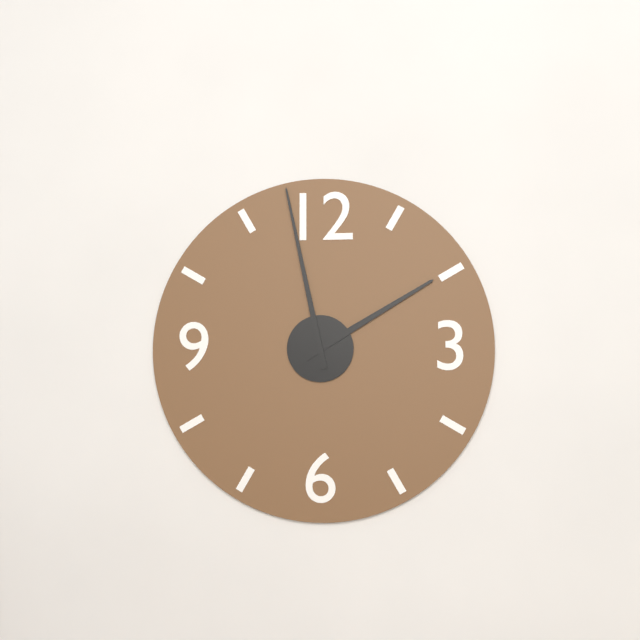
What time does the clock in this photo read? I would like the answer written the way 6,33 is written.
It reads 1,58
